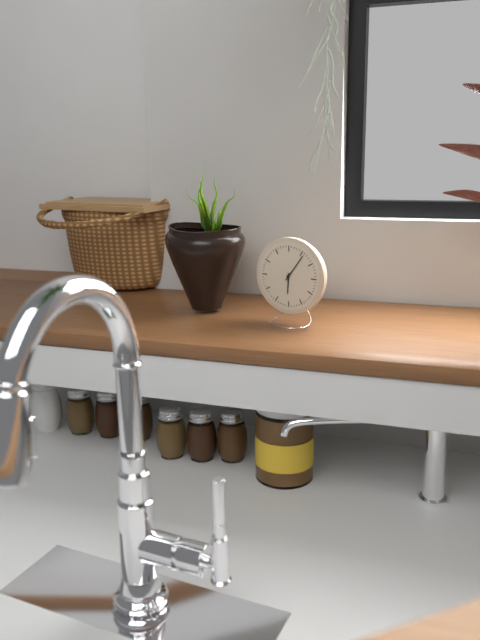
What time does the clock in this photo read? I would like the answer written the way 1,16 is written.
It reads 6,06
